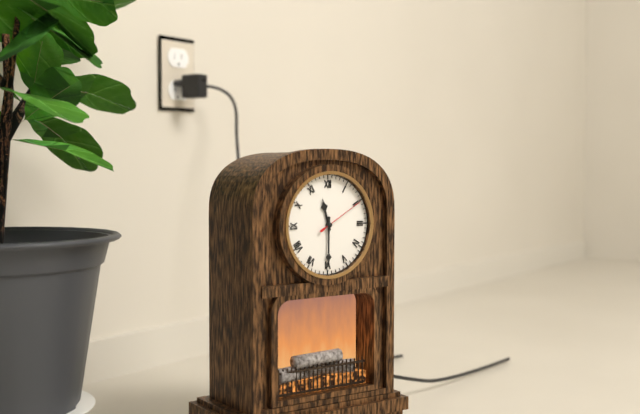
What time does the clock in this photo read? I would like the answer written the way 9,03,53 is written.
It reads 11,30,10
